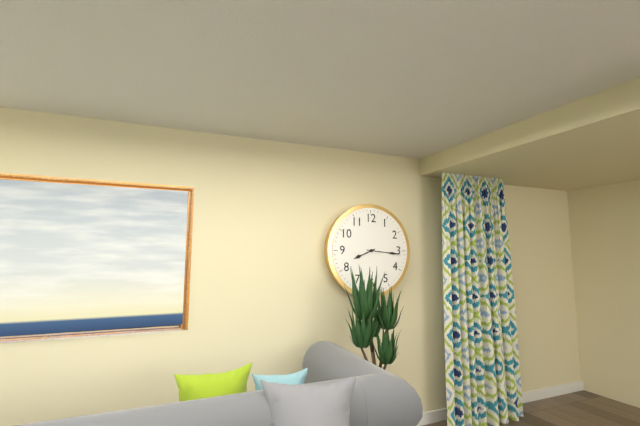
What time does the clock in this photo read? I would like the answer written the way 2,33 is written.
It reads 8,16
